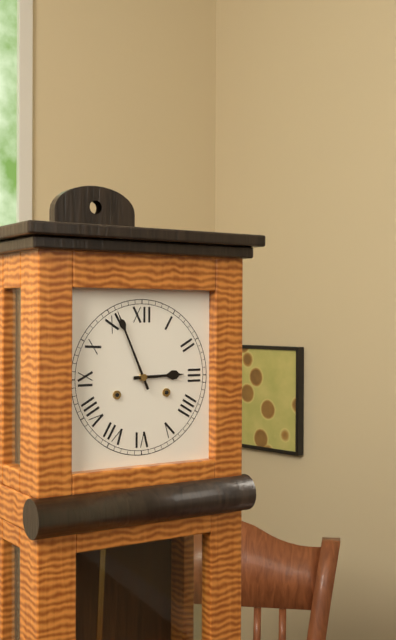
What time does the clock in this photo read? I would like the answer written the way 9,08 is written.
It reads 2,56
